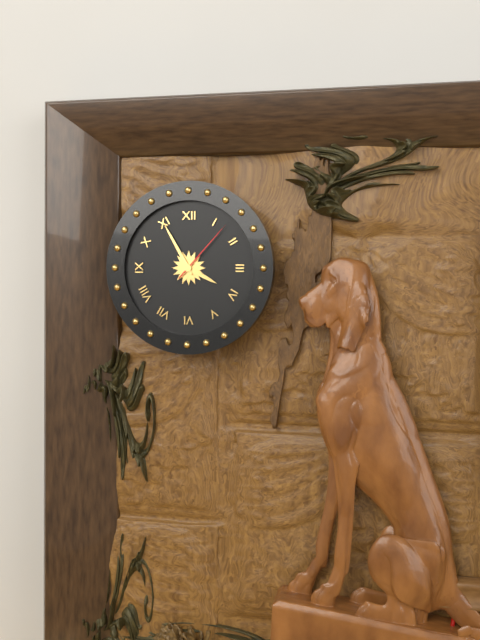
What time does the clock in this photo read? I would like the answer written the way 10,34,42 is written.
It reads 3,55,07
